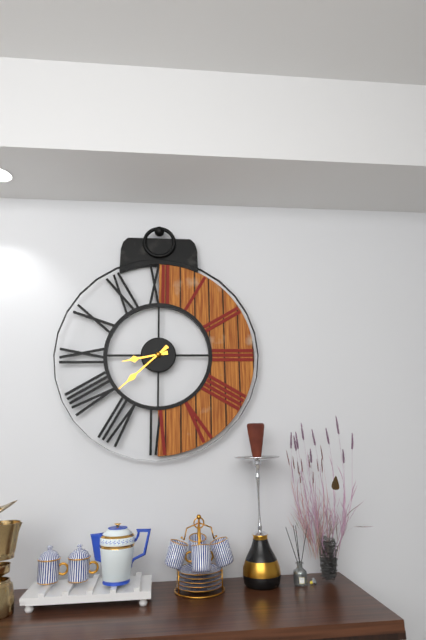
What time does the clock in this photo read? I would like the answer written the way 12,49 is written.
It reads 8,38
